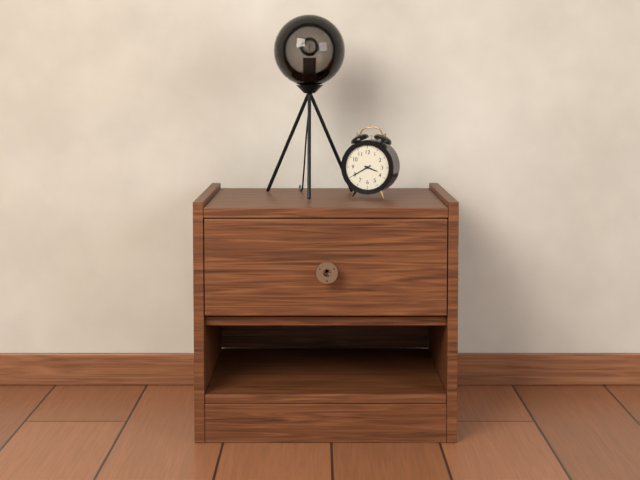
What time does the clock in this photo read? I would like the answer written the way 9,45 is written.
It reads 3,40
